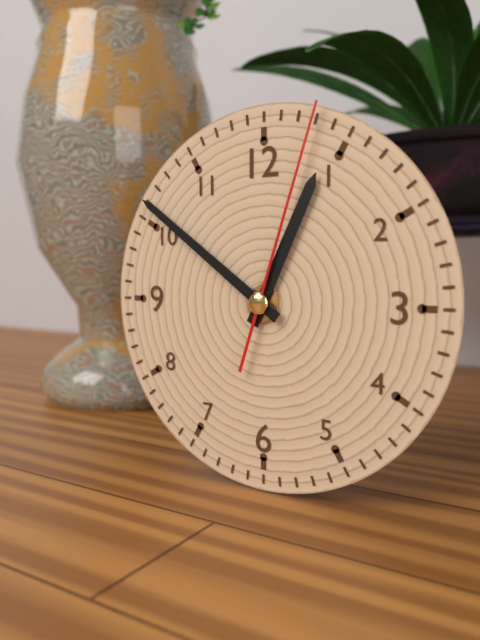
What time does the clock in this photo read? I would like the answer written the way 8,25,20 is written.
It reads 12,51,03
